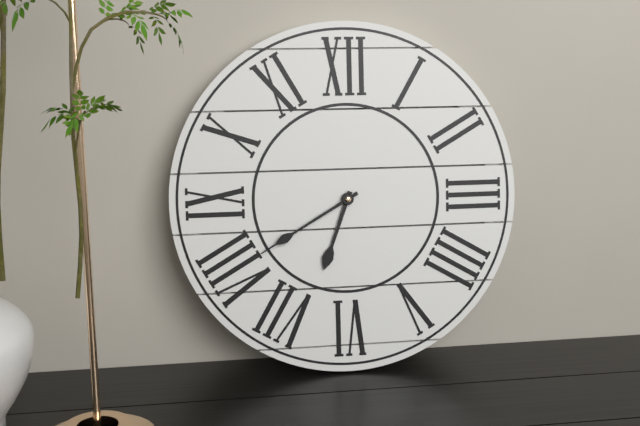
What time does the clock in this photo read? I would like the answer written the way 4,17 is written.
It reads 6,40
